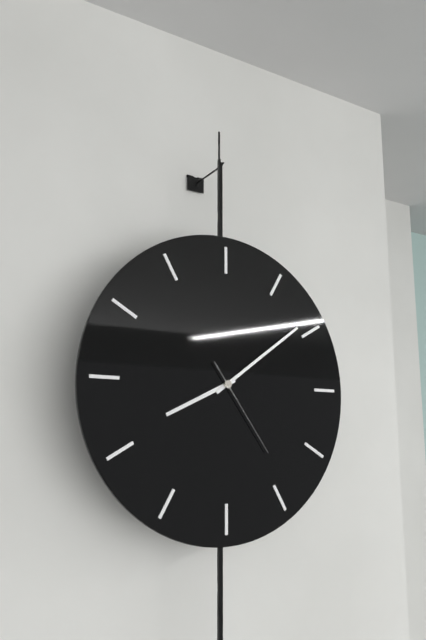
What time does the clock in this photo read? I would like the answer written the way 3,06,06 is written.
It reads 8,09,24
